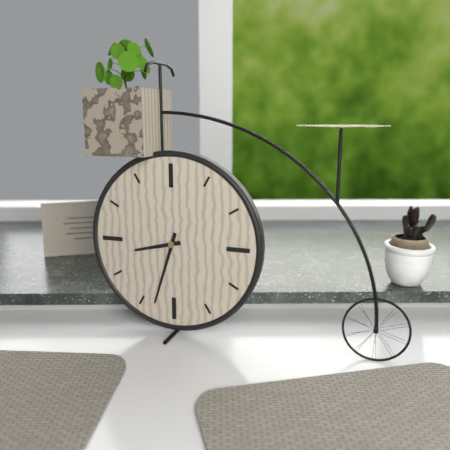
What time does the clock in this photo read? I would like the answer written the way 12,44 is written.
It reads 8,33
